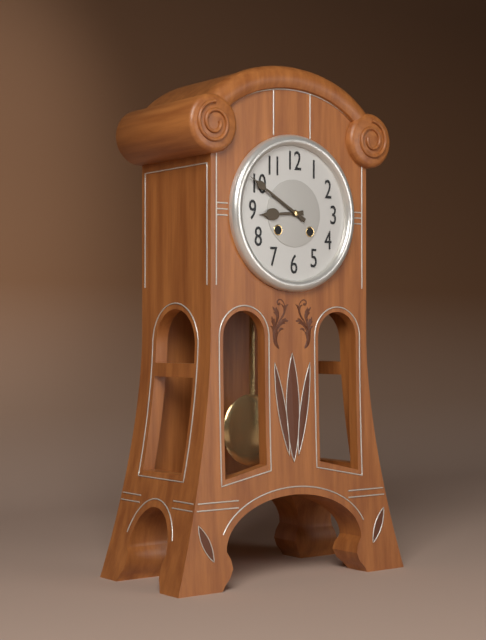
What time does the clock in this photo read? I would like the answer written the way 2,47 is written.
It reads 8,50
